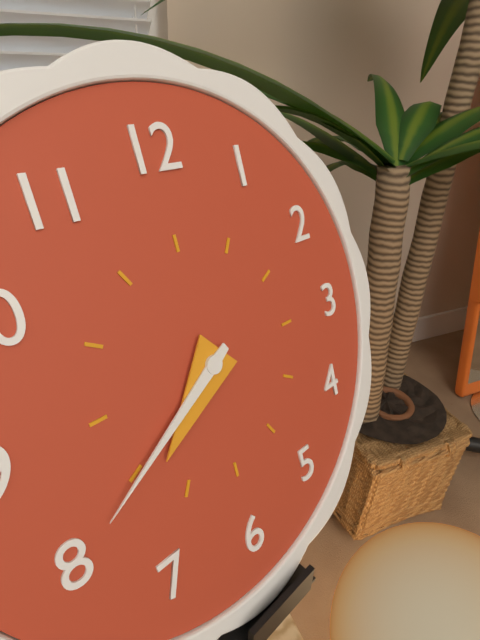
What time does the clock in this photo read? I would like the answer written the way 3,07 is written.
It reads 7,40
